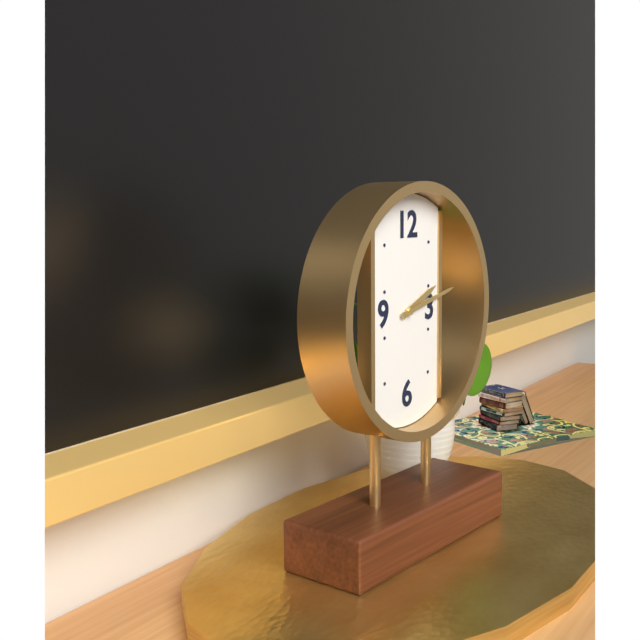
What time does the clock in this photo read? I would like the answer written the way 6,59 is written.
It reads 2,13
